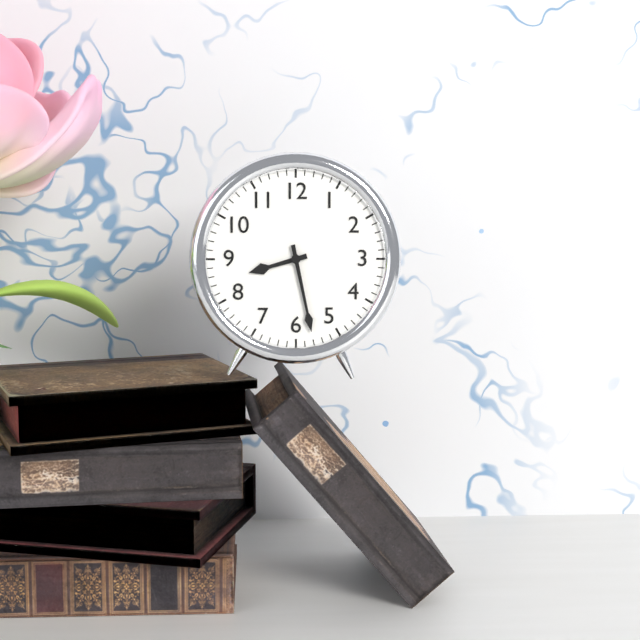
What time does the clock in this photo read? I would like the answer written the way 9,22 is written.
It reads 8,28
